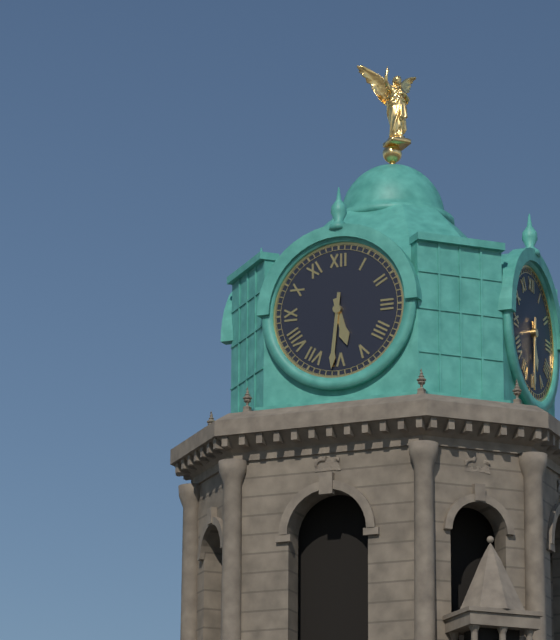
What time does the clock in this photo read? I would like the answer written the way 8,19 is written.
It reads 5,31
